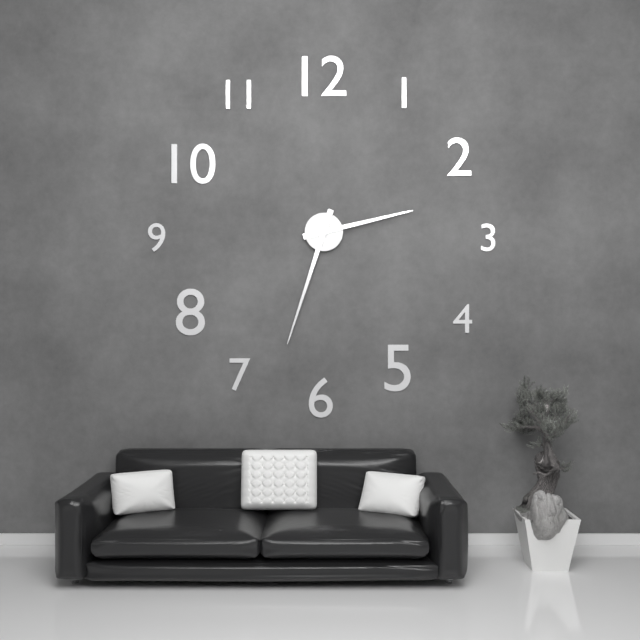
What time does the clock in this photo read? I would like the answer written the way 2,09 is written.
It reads 2,33
